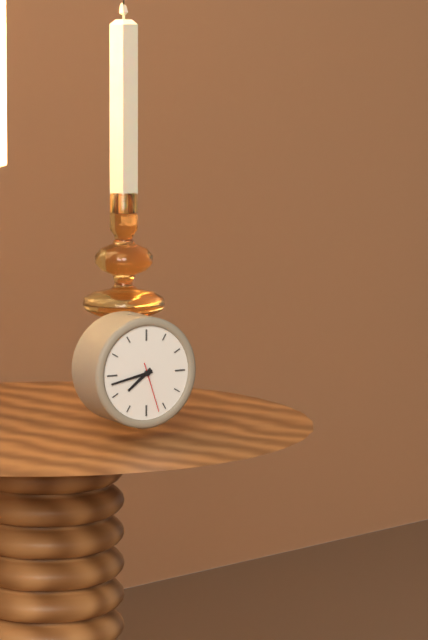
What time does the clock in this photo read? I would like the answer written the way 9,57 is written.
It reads 7,43
